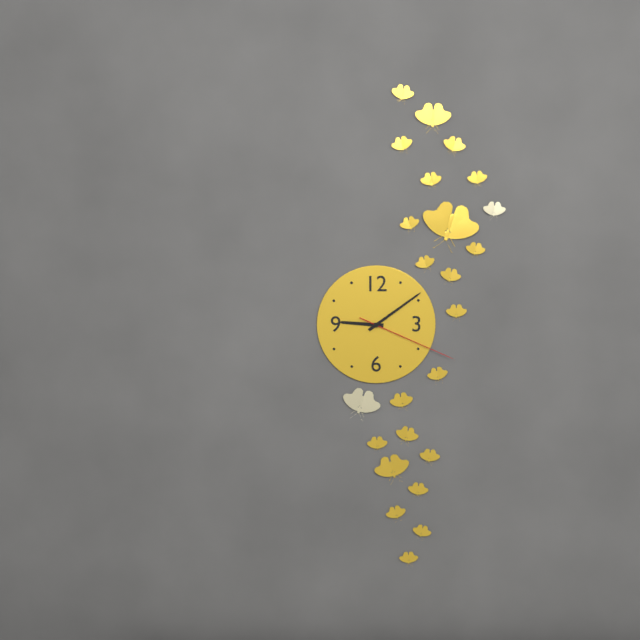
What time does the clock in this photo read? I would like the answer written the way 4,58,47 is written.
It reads 9,09,19
